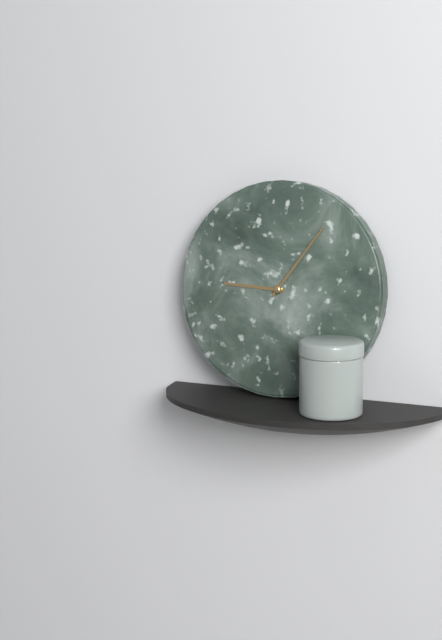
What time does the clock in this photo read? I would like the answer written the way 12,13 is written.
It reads 9,06
